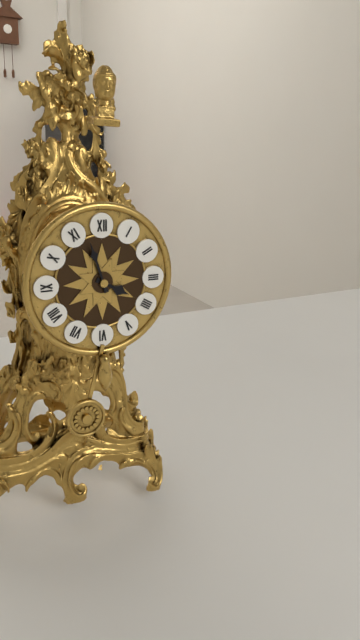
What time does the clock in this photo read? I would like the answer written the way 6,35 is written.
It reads 3,57
